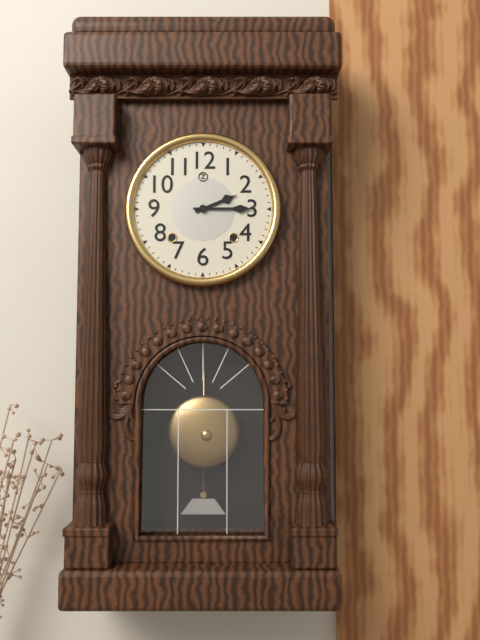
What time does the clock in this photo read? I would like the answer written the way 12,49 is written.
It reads 2,15
